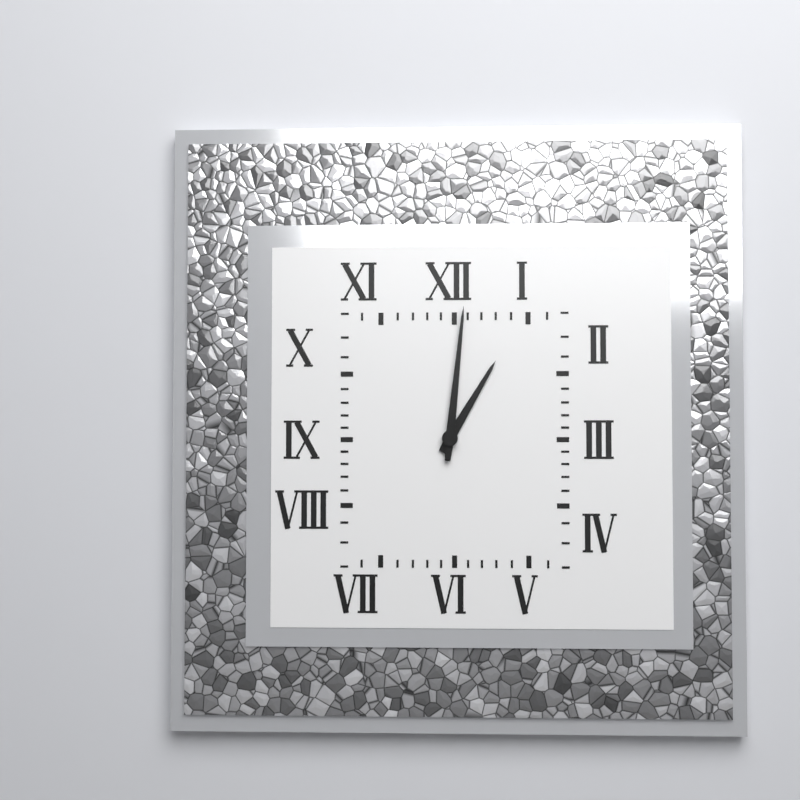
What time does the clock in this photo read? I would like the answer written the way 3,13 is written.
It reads 1,01
